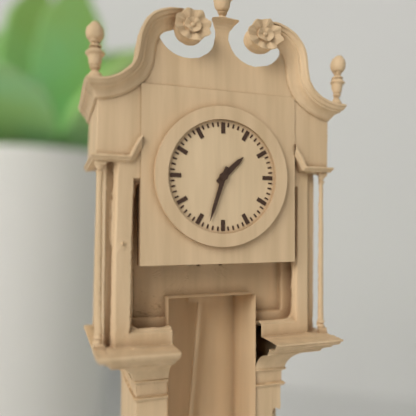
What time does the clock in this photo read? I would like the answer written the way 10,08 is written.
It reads 1,33
